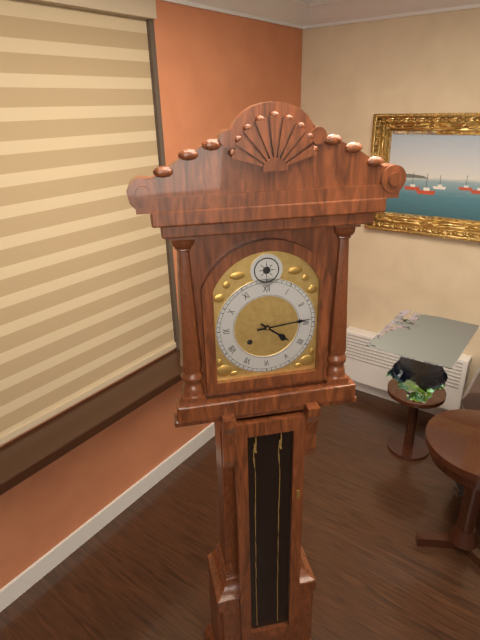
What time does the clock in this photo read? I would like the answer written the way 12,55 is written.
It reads 4,14
